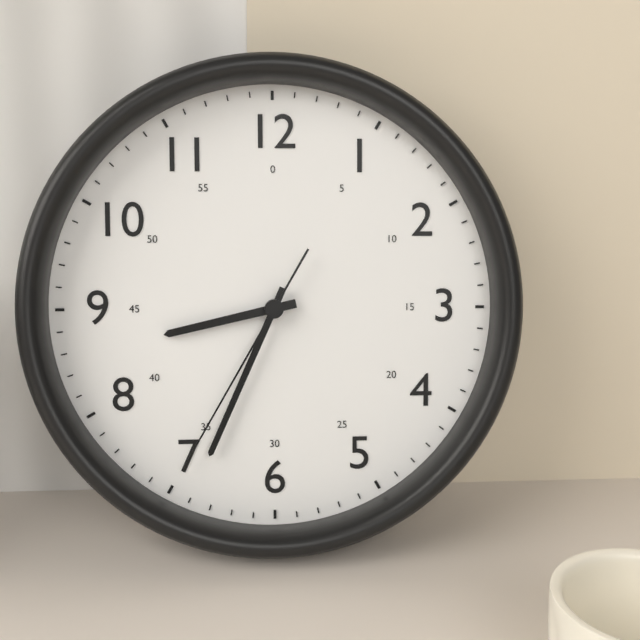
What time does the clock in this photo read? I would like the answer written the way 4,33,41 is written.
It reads 8,34,35
